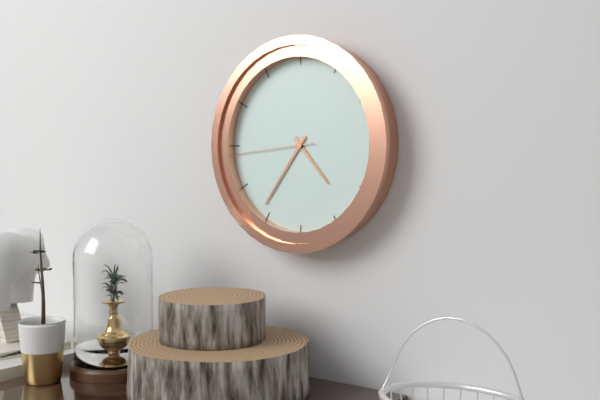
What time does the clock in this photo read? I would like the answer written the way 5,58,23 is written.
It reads 4,36,44
